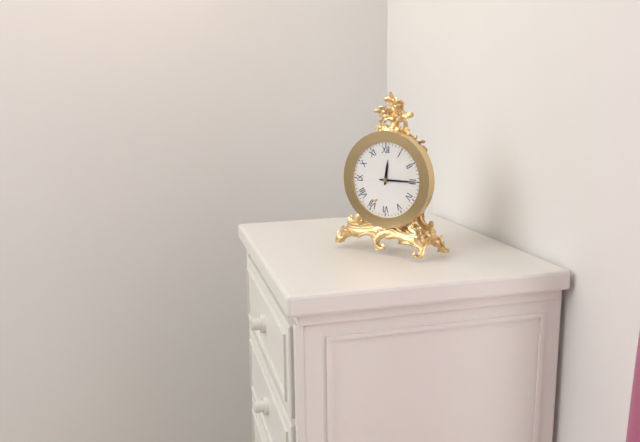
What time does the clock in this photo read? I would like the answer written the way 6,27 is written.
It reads 12,15
